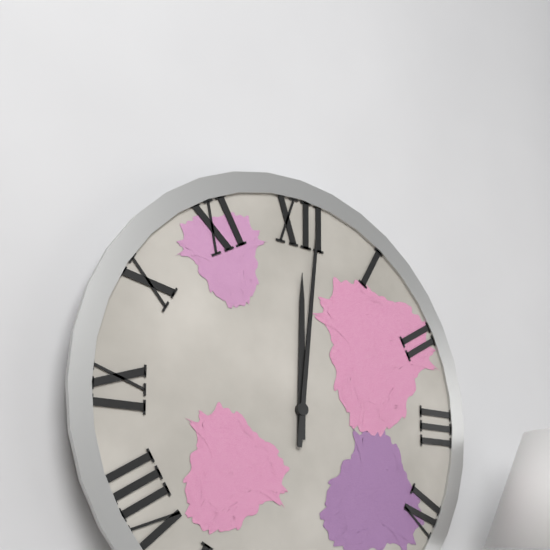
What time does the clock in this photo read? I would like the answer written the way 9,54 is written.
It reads 12,01
